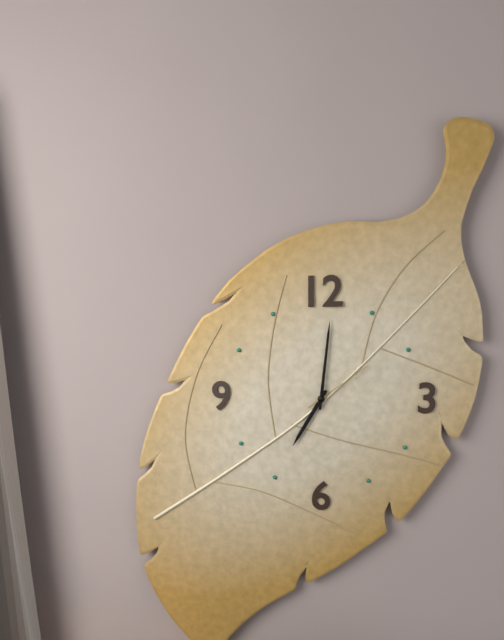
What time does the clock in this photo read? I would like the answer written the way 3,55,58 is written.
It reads 7,01,09
